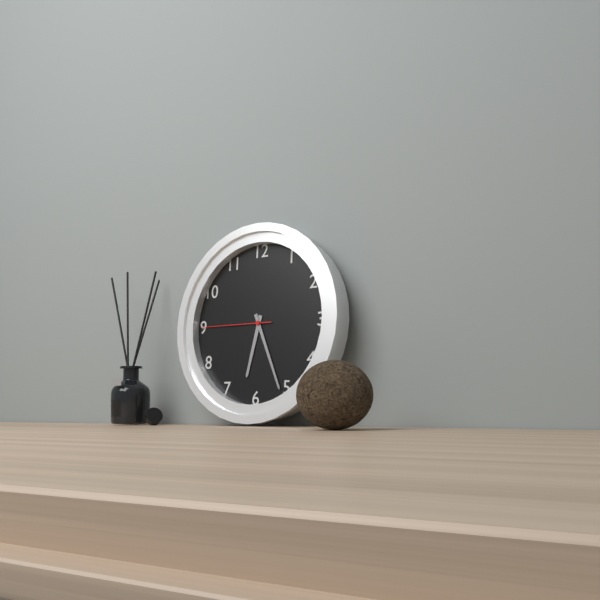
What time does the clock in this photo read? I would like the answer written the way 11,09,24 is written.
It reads 6,26,45
